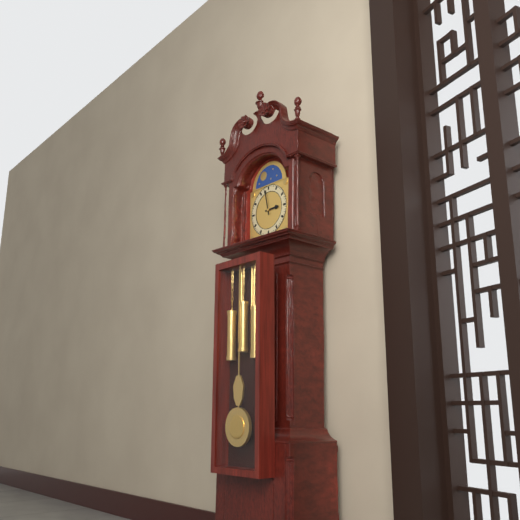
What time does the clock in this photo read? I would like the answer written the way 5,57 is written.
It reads 2,58
